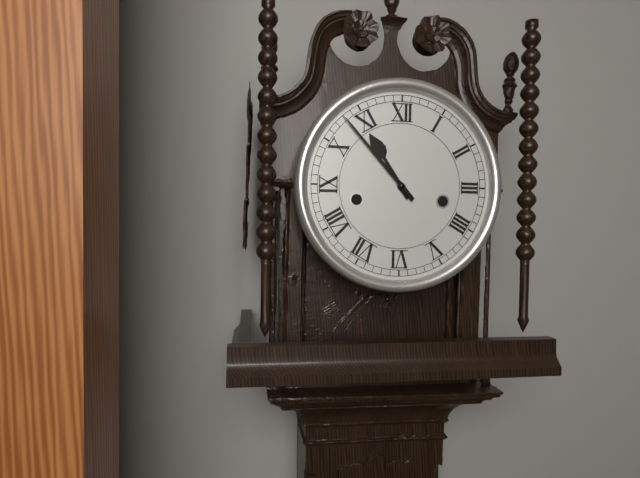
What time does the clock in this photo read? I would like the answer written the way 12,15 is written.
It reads 10,53
